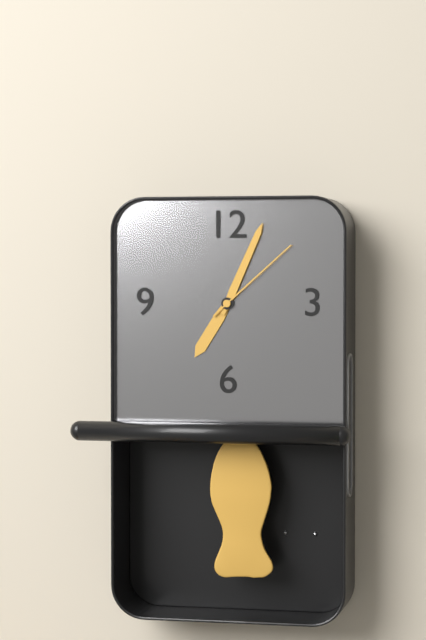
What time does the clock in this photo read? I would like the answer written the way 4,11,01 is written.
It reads 7,04,08
